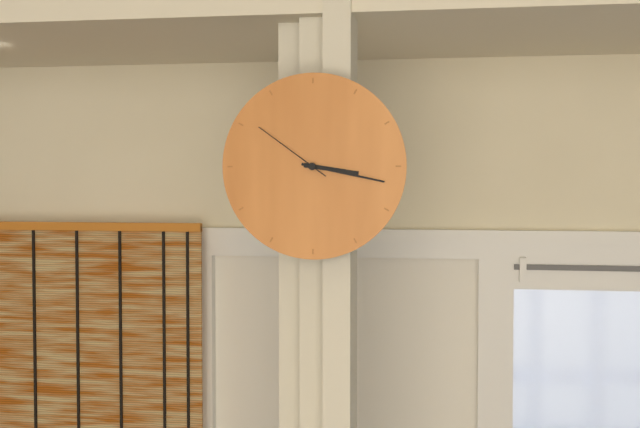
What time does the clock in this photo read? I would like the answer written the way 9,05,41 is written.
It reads 3,17,51
